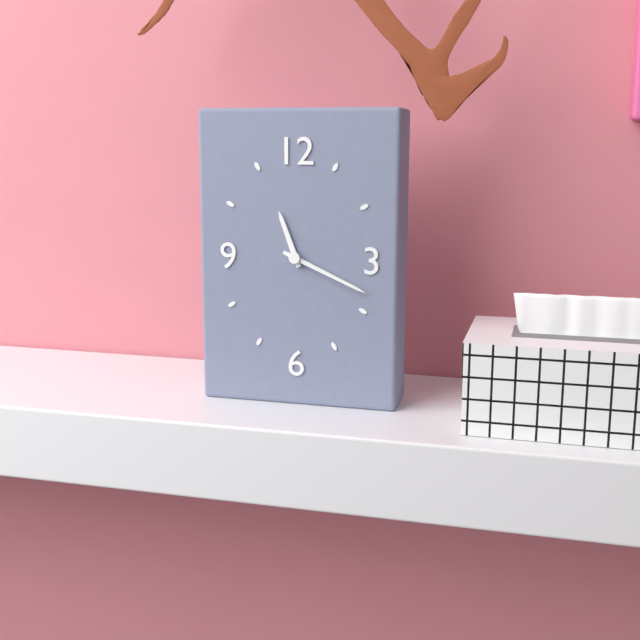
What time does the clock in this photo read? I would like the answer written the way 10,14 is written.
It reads 11,19
